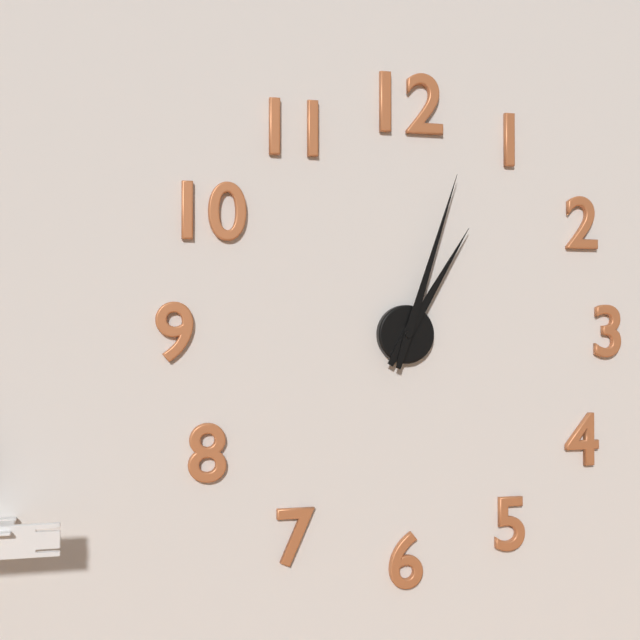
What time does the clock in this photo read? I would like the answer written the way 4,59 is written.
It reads 1,03
